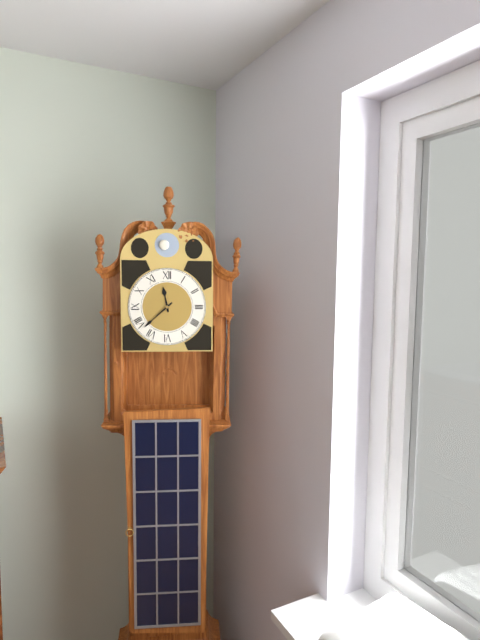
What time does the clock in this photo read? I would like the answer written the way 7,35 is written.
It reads 11,38
